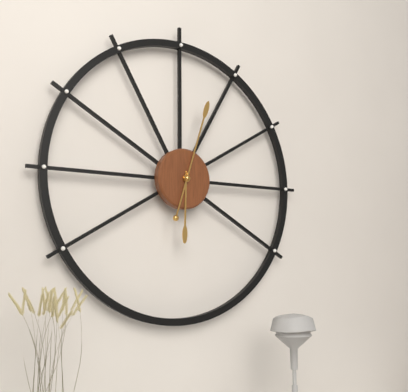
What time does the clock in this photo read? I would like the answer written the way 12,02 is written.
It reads 6,03
